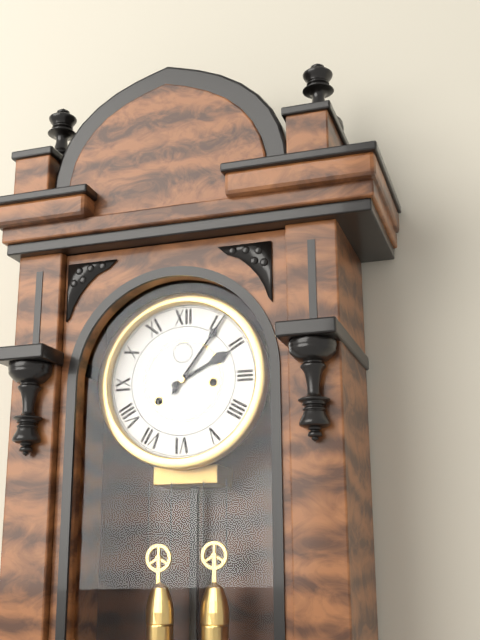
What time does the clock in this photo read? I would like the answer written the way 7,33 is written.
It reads 2,06
